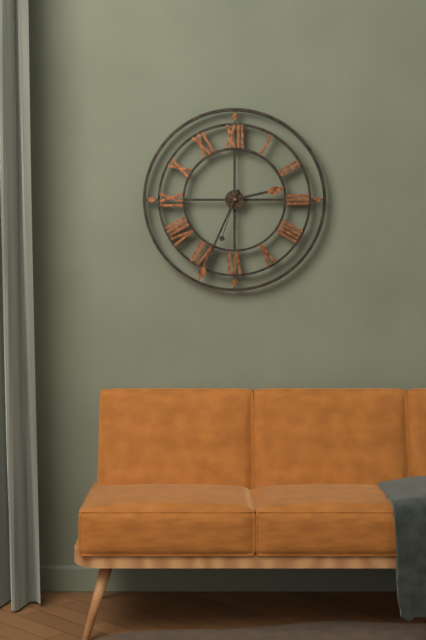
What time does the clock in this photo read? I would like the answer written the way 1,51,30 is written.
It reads 2,34,33
